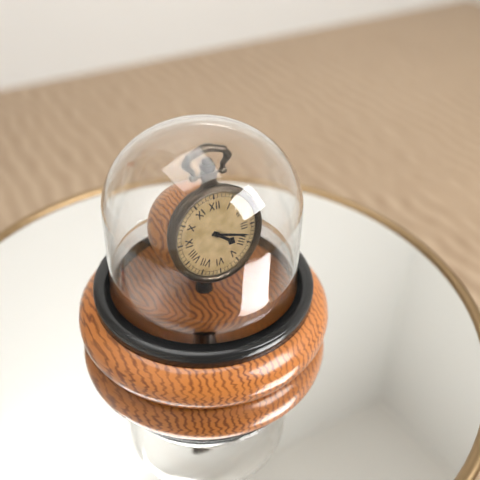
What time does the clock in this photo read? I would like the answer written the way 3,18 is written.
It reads 4,18
